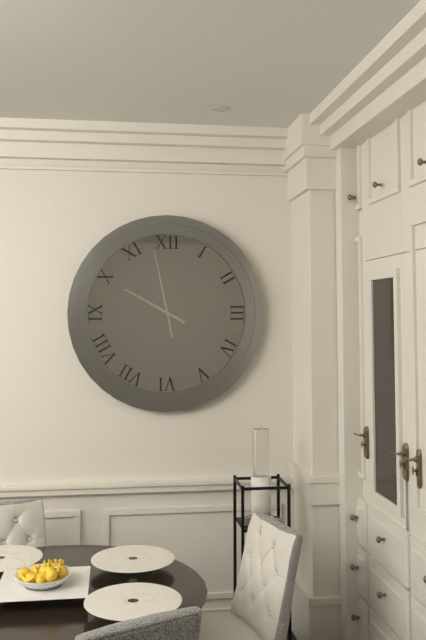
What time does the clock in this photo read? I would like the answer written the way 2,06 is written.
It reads 9,58
